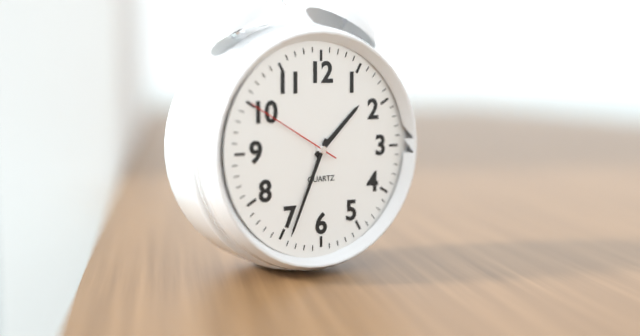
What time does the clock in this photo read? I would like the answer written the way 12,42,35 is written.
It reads 1,34,50
